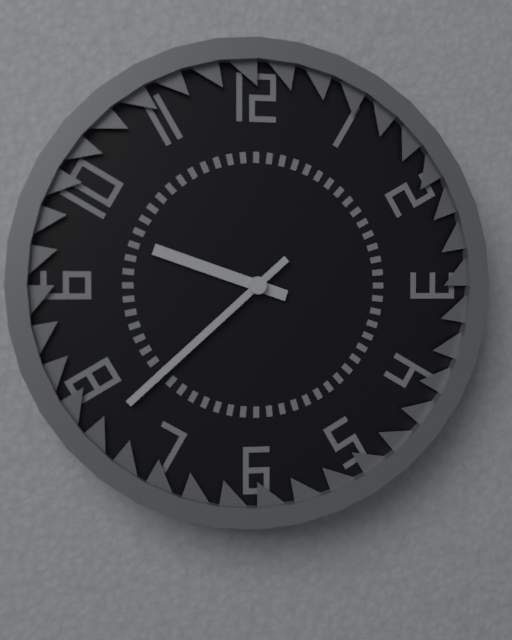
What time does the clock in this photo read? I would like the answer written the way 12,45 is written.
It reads 9,38
